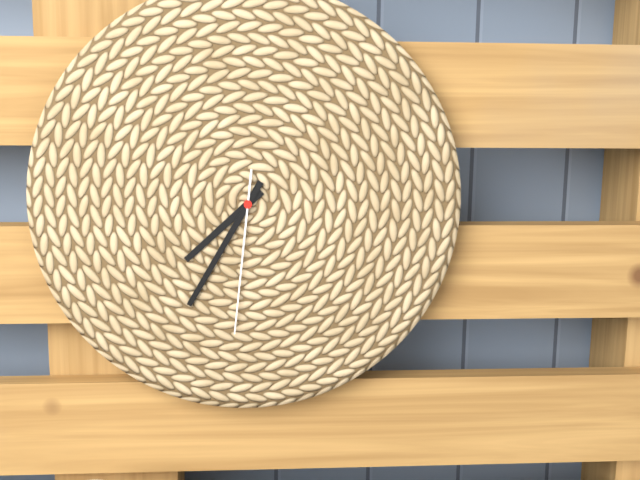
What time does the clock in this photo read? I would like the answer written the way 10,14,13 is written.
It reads 7,35,31
